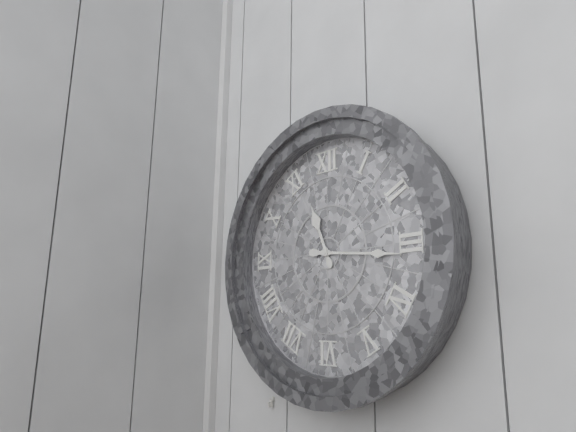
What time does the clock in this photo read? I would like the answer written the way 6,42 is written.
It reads 11,16
